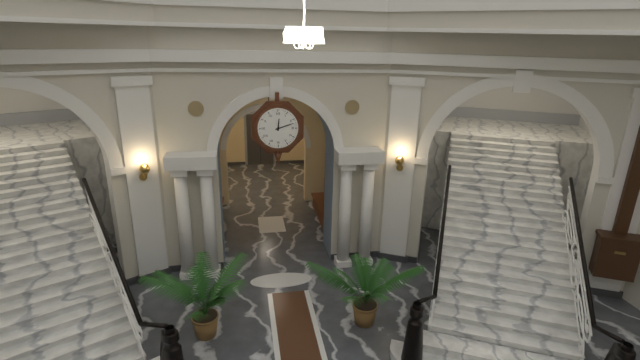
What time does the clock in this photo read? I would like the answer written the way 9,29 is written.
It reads 12,12
